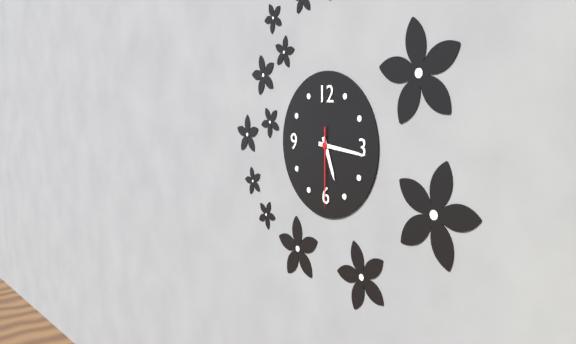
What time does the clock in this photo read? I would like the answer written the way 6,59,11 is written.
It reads 5,16,30
